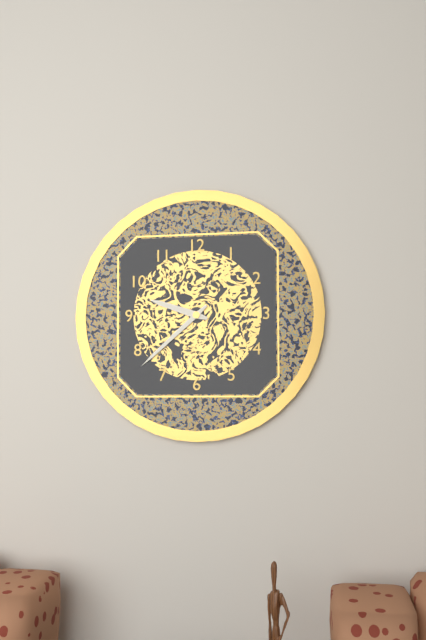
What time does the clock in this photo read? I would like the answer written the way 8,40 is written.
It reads 9,38
